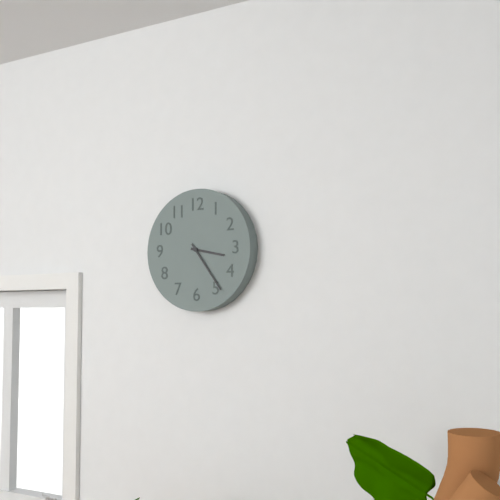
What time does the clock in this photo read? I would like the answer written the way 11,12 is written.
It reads 3,24
